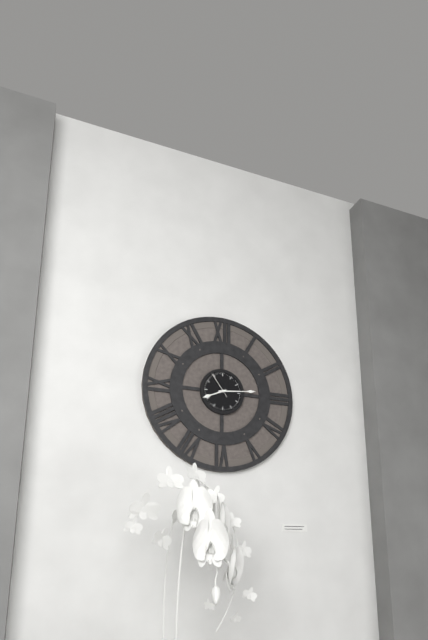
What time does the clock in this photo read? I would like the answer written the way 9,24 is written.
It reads 8,14
